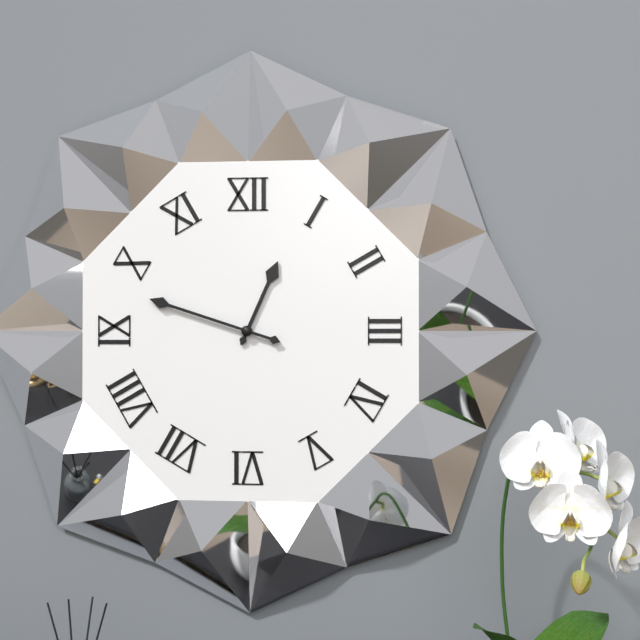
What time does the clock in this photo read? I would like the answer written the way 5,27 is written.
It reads 12,48
